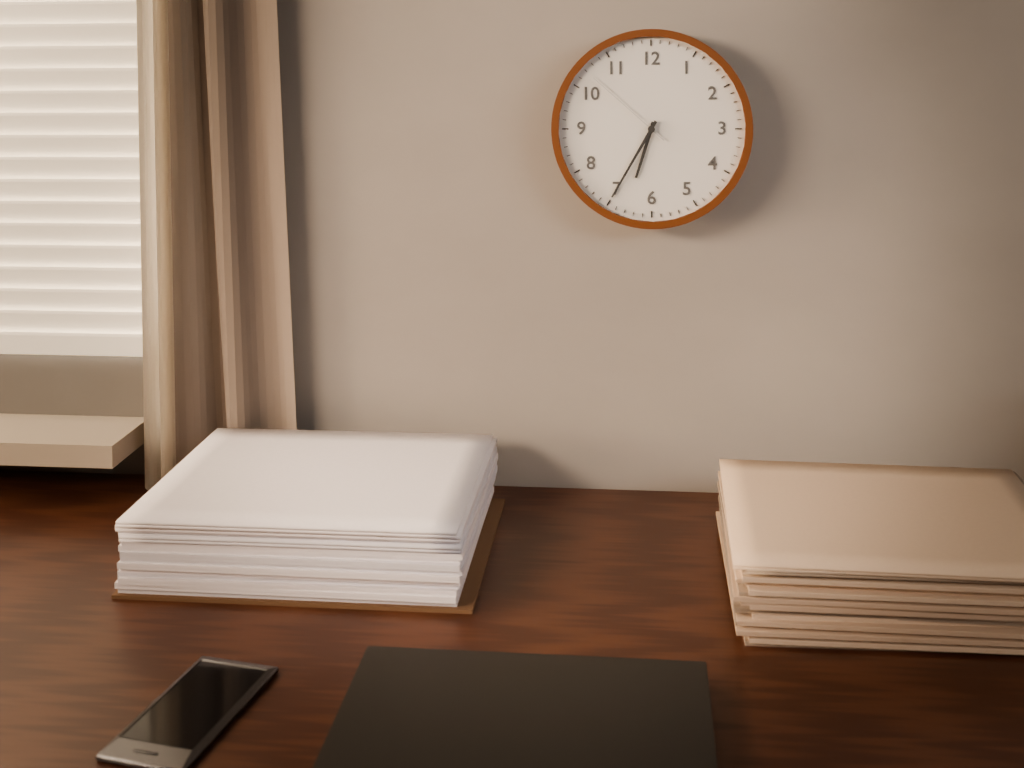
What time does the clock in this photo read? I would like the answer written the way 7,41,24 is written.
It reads 6,35,52
